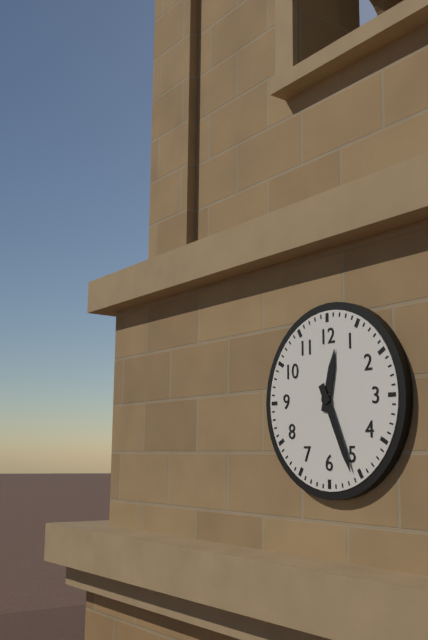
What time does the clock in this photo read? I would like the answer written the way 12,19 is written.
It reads 12,26
